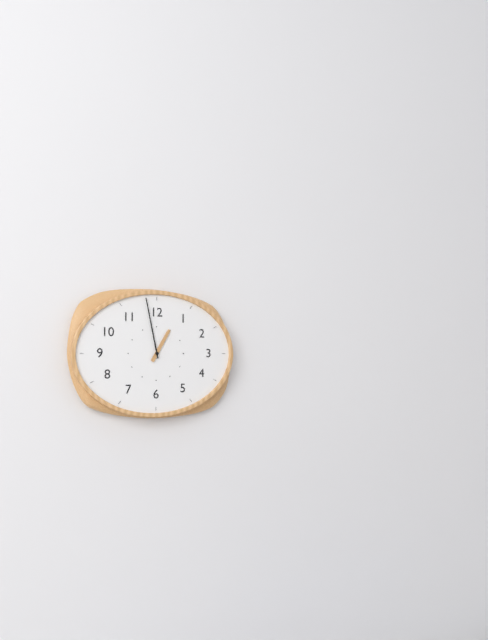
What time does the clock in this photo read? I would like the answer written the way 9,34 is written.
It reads 12,58
